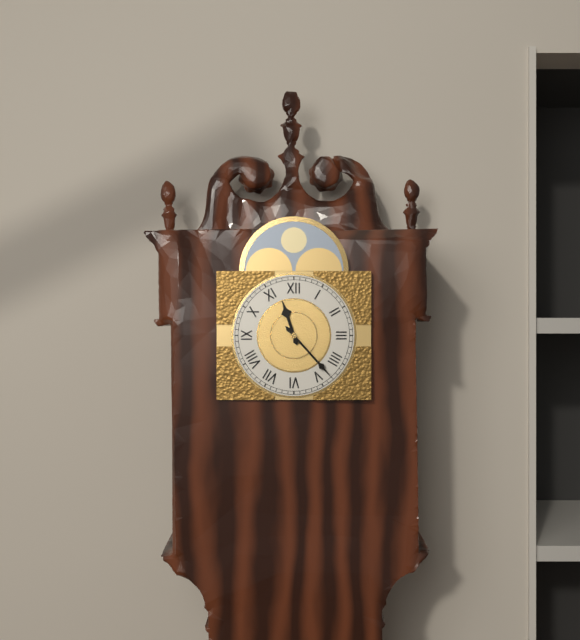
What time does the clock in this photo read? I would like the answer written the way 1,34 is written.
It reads 11,23
